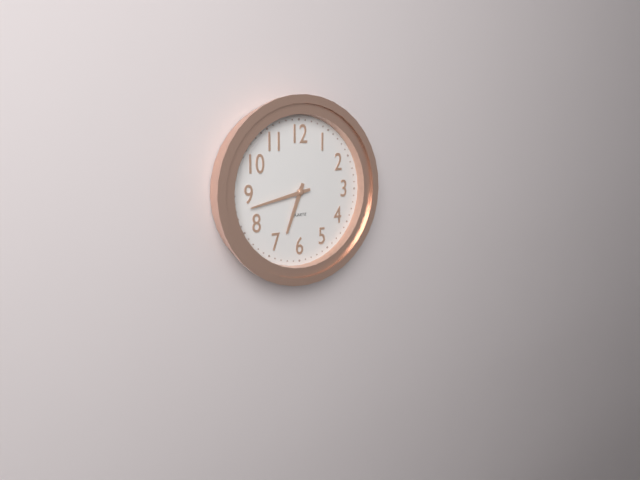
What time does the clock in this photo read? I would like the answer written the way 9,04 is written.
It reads 6,43
